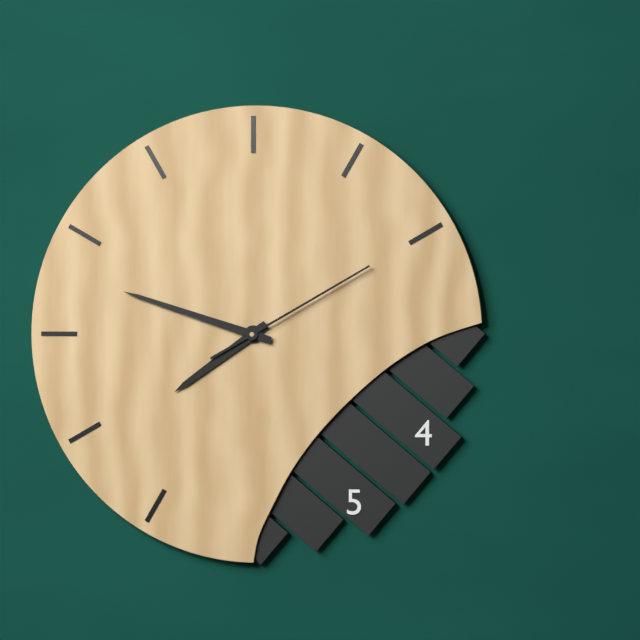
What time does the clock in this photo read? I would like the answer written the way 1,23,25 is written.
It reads 7,48,10
